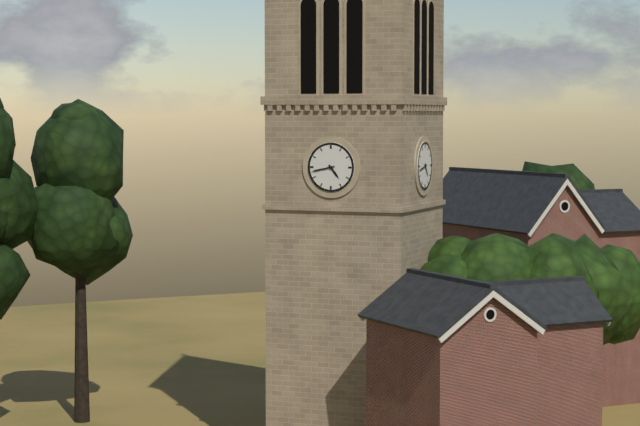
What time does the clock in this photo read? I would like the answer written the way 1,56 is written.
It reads 4,43
